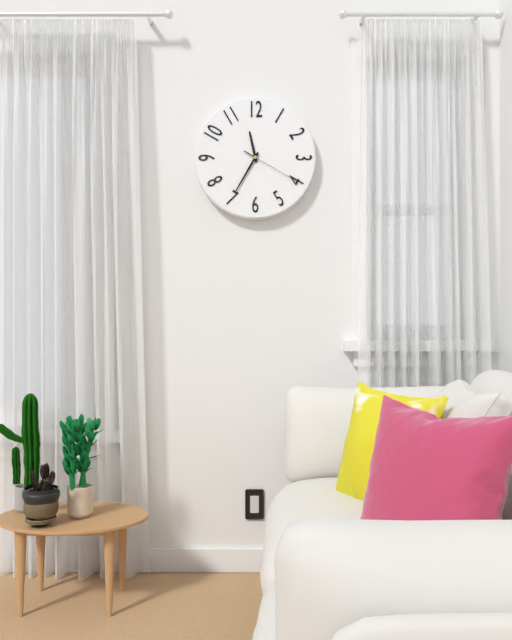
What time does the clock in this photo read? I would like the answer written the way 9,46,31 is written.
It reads 11,35,20
